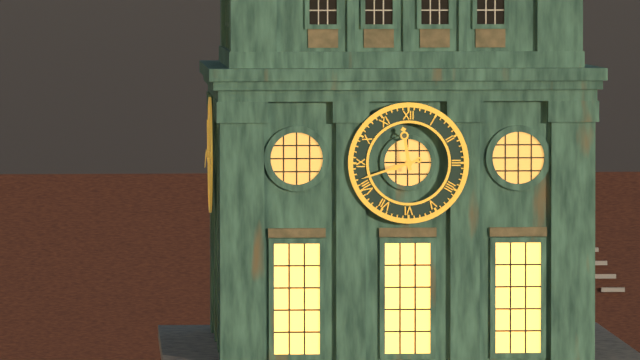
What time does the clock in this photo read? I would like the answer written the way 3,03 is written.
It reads 11,42
